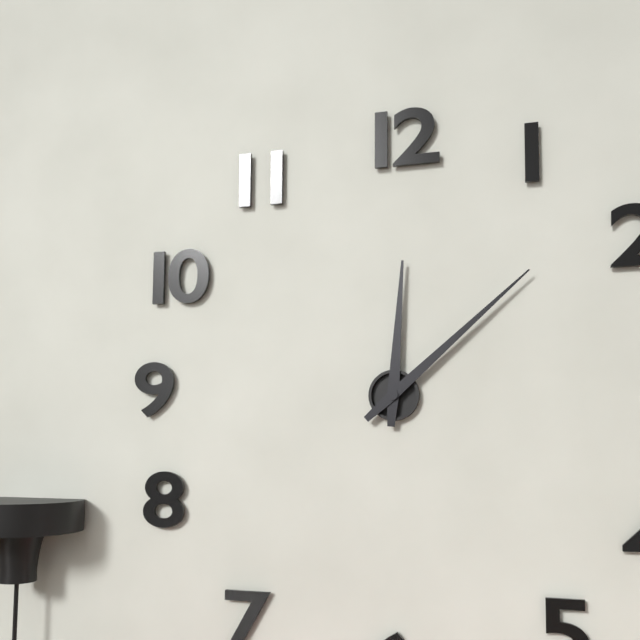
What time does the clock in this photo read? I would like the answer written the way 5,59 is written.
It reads 12,08
